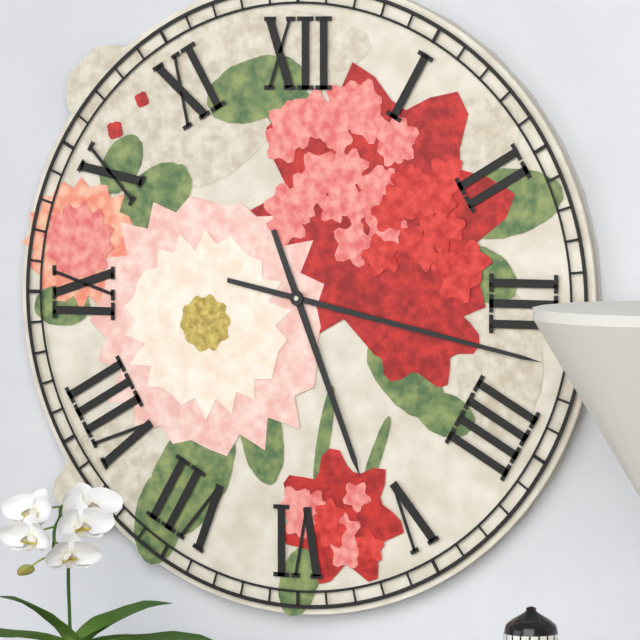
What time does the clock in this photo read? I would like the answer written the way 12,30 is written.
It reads 5,17
